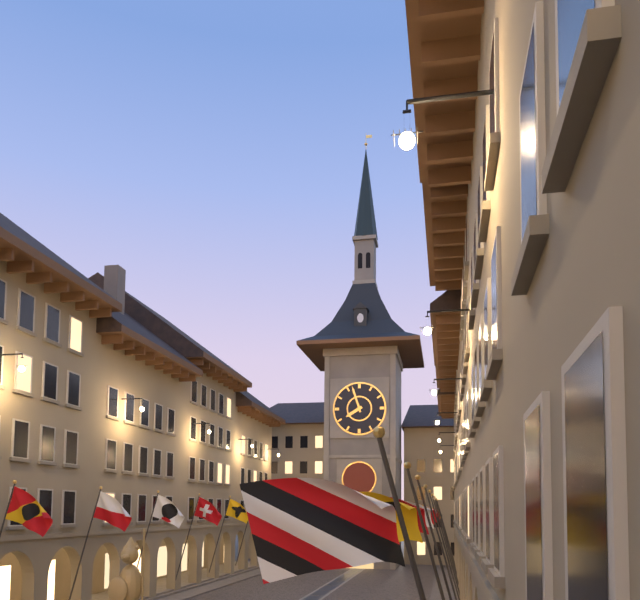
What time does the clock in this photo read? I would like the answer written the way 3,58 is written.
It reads 7,57
